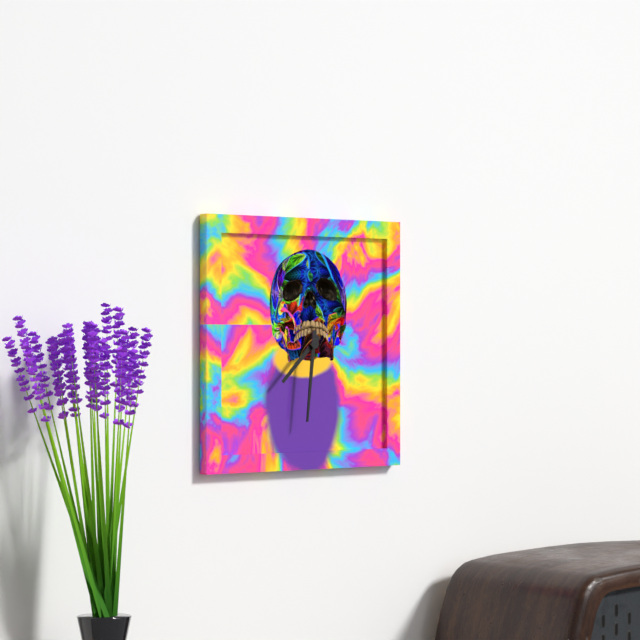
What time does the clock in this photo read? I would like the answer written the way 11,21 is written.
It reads 7,31
